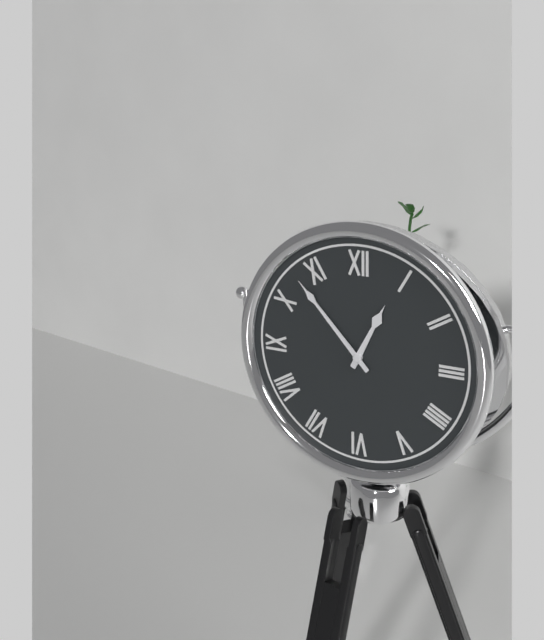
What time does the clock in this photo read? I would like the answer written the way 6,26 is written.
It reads 12,53
